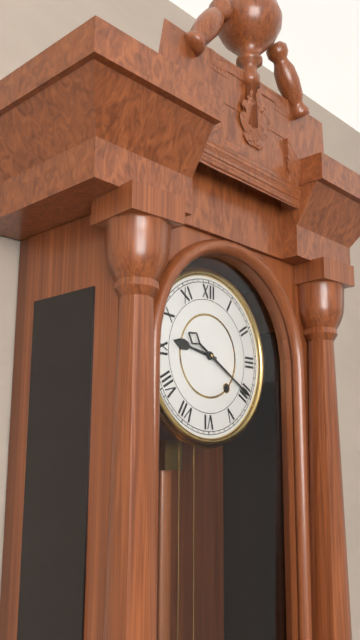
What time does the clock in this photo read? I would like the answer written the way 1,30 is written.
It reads 9,20
